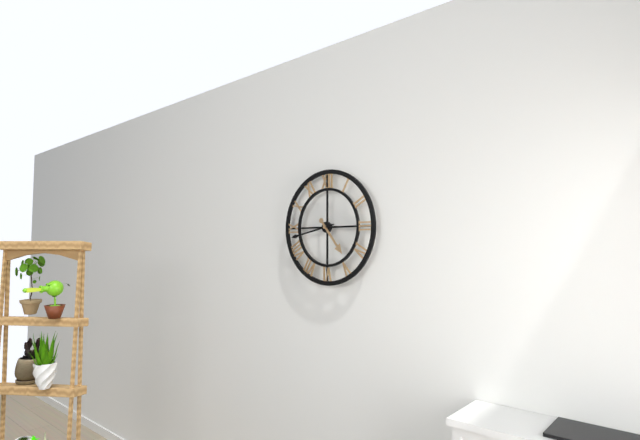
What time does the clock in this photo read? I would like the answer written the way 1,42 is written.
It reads 4,43
